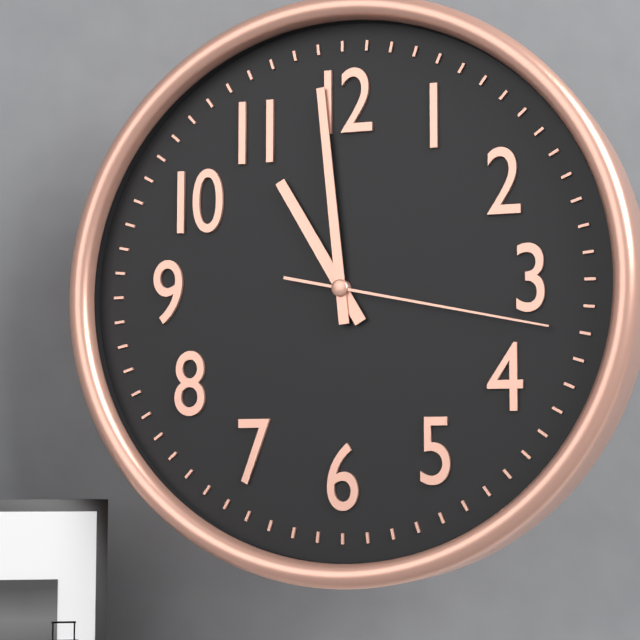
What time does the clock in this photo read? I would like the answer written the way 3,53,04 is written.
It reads 10,59,17
